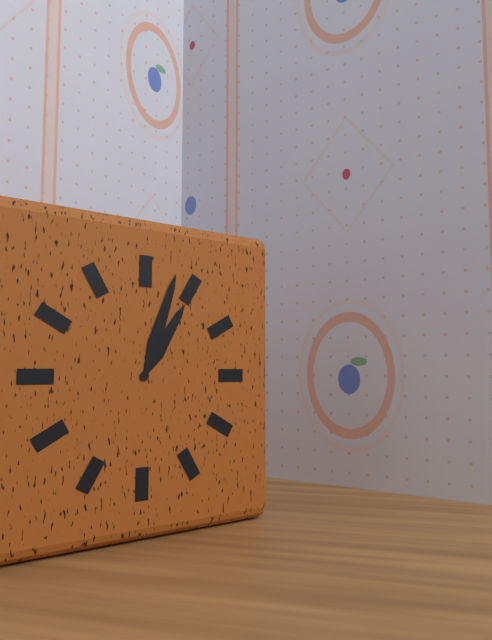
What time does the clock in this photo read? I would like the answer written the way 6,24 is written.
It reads 1,03
